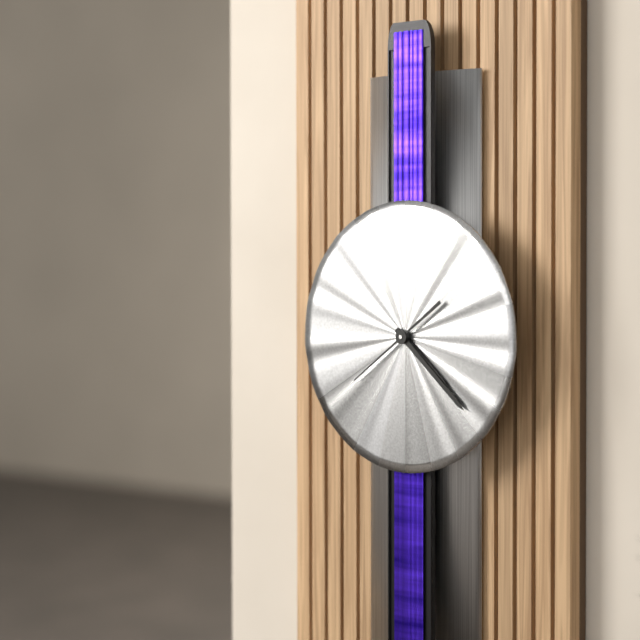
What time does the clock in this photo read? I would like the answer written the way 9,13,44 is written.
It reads 4,22,39
